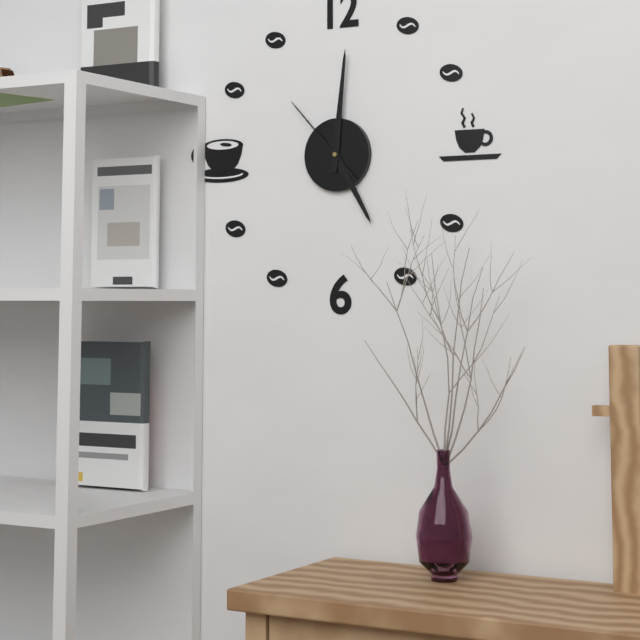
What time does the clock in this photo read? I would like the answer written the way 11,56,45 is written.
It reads 5,01,53
